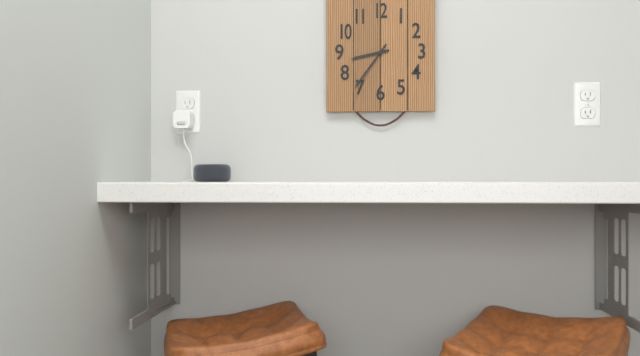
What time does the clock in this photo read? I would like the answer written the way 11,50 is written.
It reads 8,36
